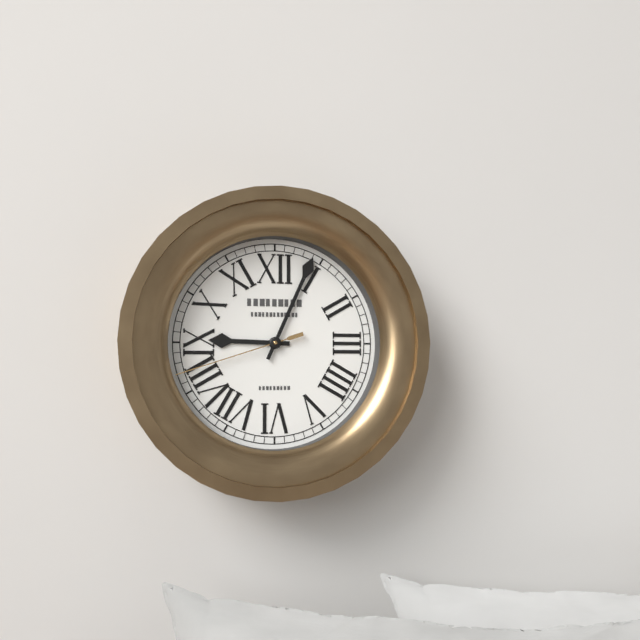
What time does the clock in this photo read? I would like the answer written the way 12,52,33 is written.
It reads 9,04,42
